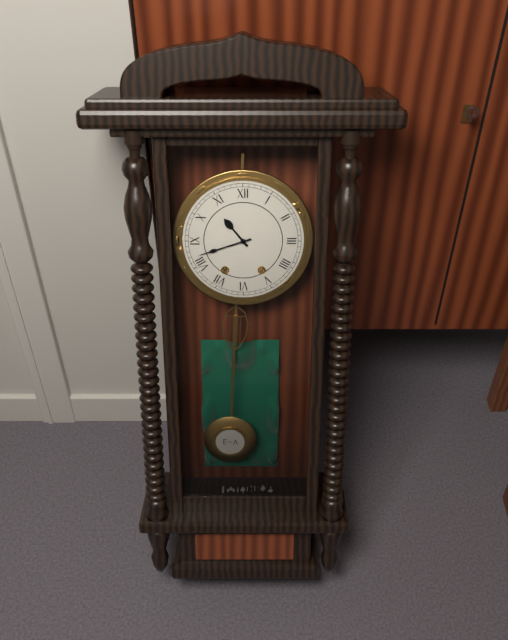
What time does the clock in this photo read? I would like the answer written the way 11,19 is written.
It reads 10,42
